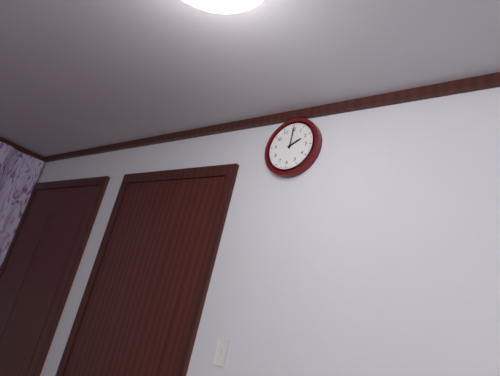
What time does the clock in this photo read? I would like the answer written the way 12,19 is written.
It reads 2,00
